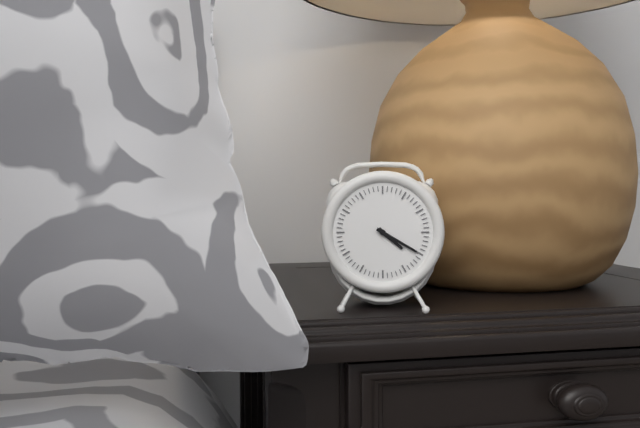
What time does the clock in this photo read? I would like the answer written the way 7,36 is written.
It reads 4,20
